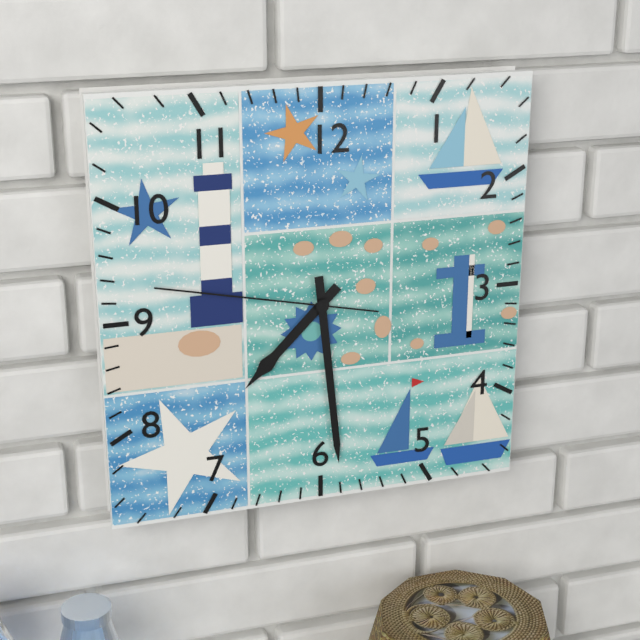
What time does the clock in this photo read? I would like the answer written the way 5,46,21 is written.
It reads 7,29,47
